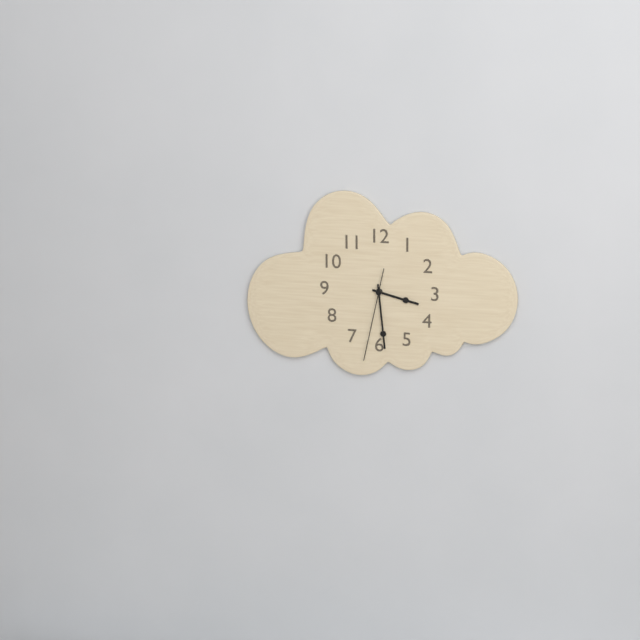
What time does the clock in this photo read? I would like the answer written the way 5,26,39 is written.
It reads 3,29,32
